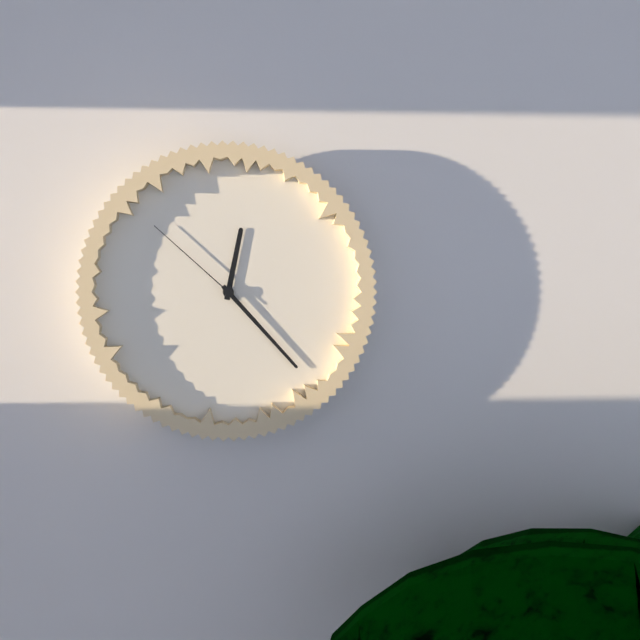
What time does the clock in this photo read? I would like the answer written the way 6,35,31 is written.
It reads 12,23,52
